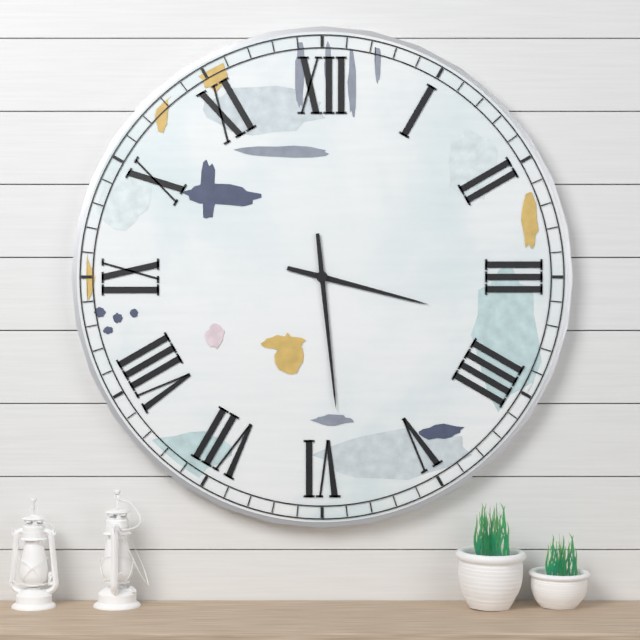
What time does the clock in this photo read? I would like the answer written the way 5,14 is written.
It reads 3,29
